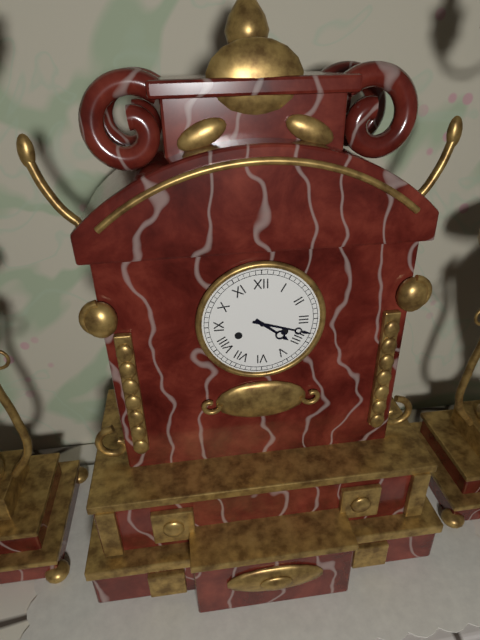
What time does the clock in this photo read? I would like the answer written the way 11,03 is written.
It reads 4,18
